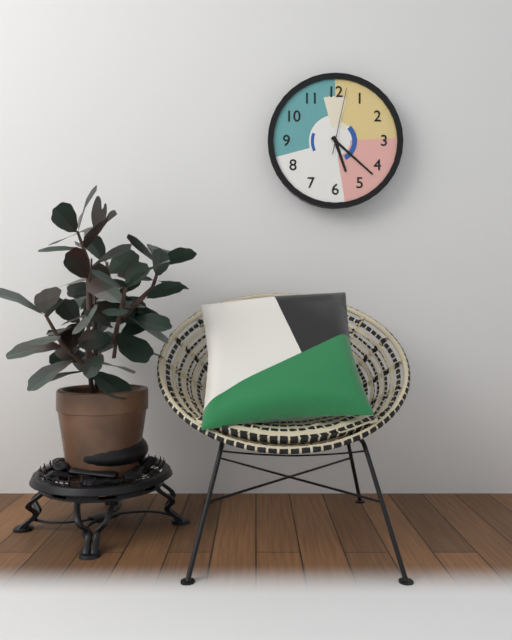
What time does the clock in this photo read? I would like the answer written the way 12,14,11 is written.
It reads 5,22,02
